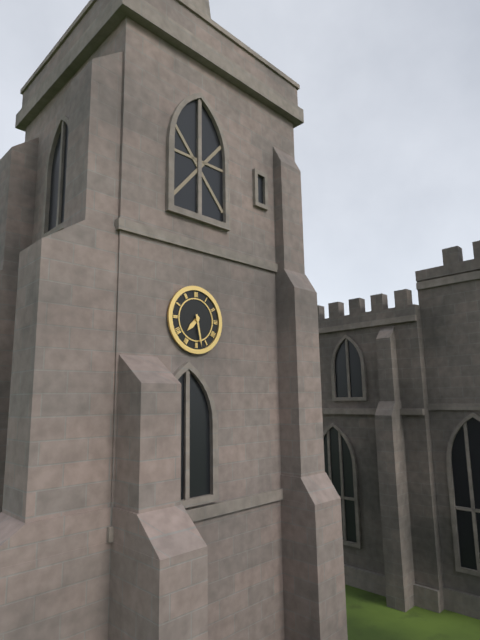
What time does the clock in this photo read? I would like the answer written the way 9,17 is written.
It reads 7,28
